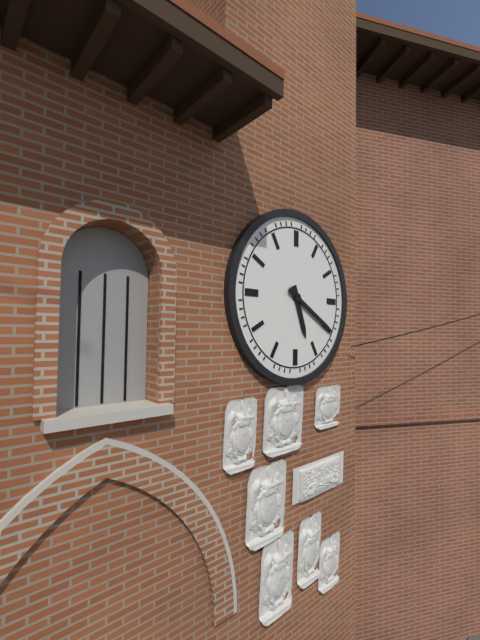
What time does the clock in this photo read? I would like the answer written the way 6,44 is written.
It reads 5,20
